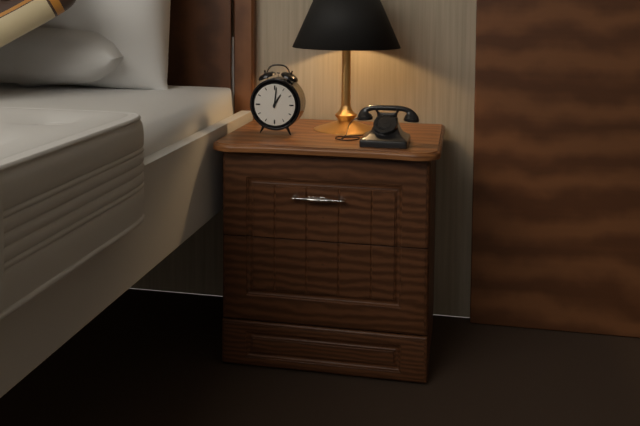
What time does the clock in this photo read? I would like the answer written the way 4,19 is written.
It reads 1,01
